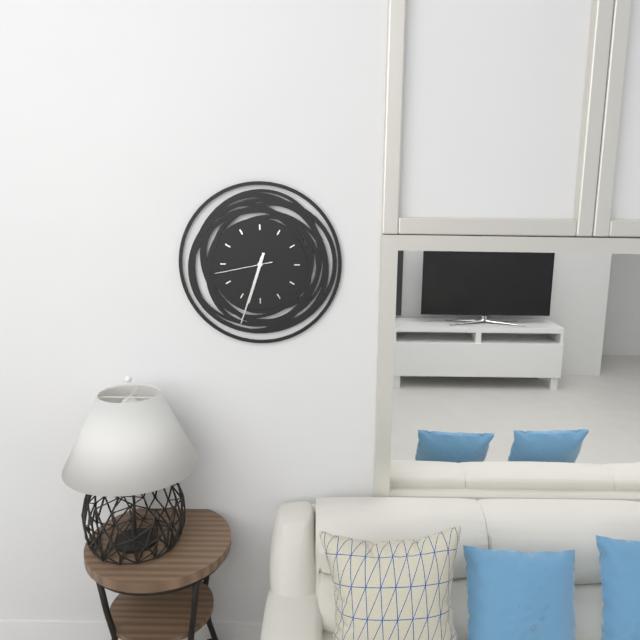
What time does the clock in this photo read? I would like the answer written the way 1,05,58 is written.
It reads 6,33,43
